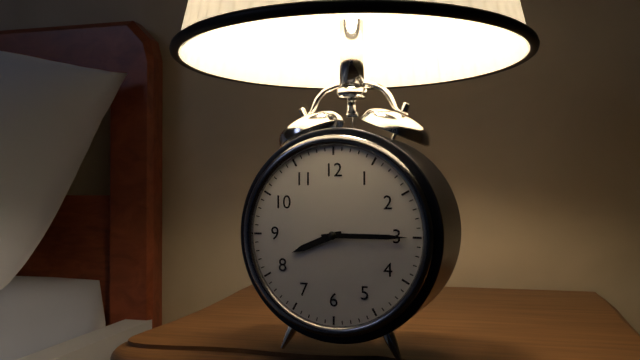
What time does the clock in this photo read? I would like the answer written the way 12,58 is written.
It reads 8,15
